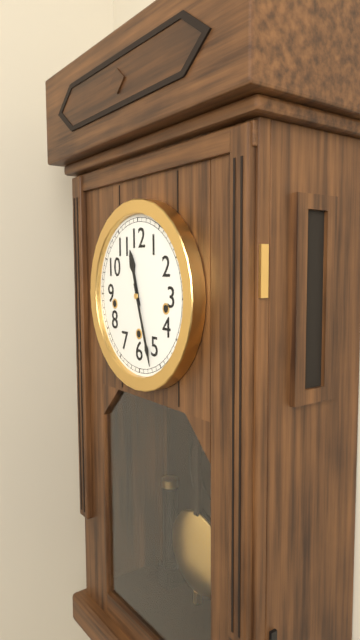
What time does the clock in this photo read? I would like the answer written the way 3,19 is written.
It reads 11,27
